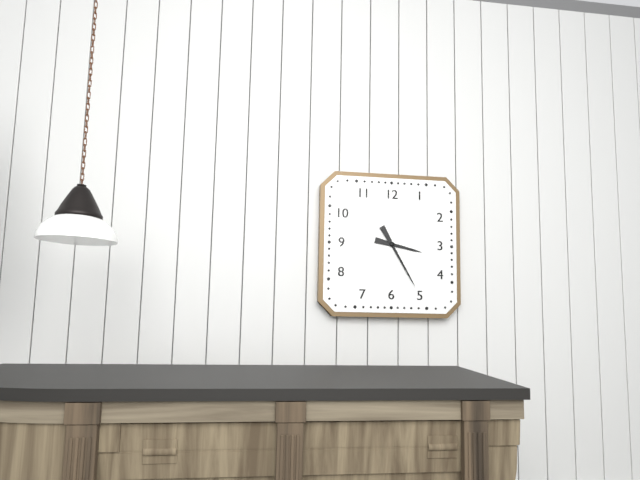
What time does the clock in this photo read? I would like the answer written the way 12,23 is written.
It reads 3,25
